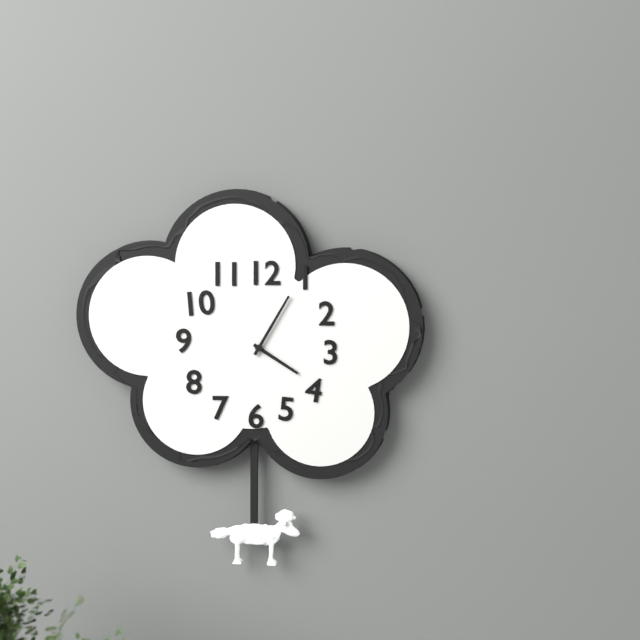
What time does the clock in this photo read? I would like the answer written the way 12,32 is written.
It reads 4,05
